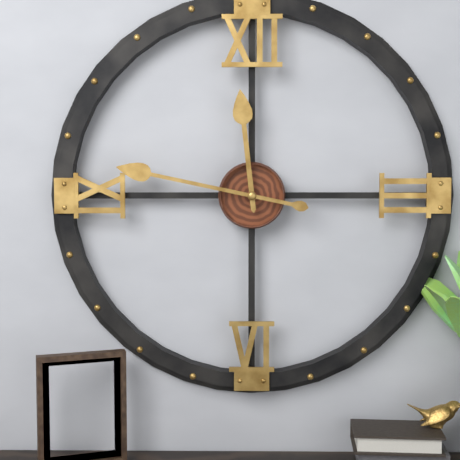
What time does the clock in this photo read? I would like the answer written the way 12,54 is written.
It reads 11,47
